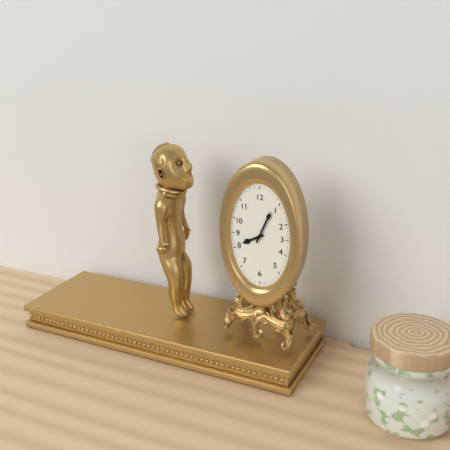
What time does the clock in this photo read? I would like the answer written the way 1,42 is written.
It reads 8,04
